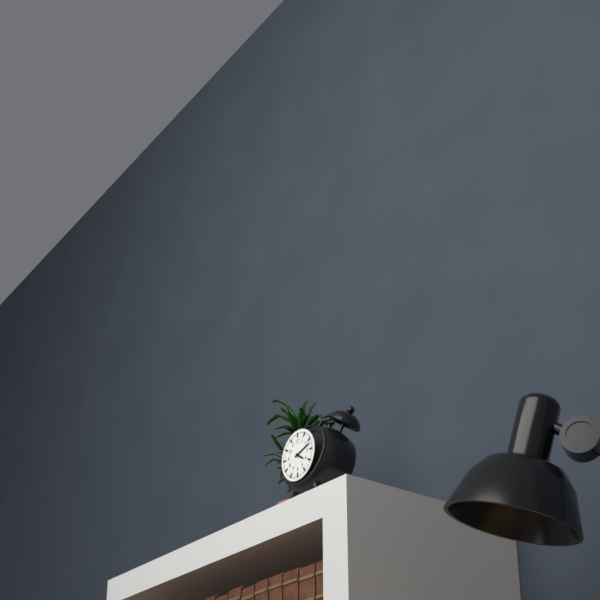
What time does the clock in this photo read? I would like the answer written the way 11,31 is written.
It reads 4,12
